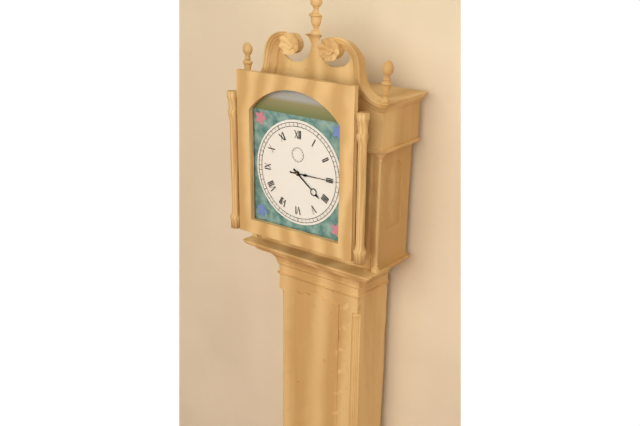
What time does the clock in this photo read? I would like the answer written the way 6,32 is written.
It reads 4,15
